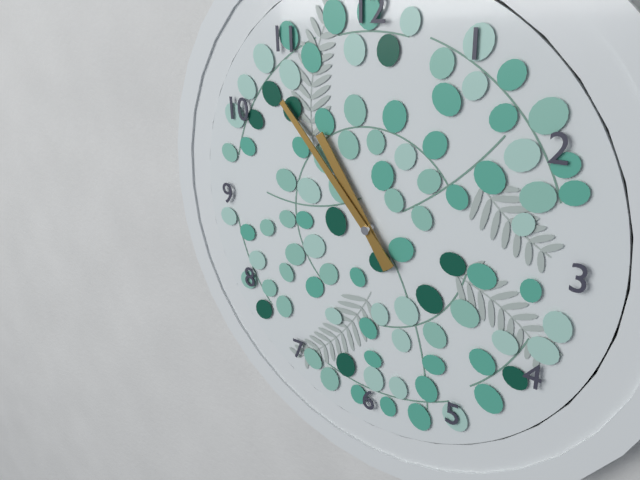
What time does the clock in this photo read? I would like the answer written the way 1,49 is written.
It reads 10,53
